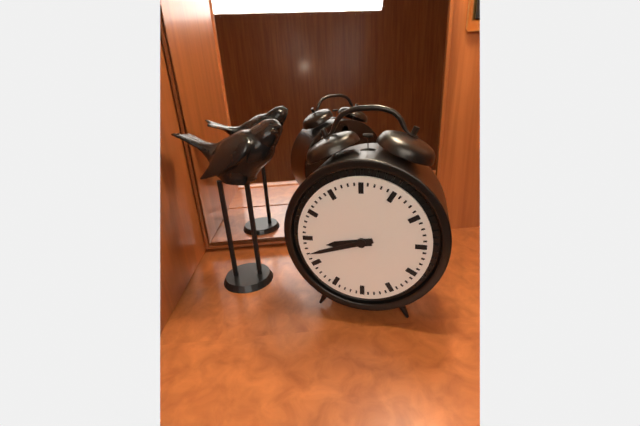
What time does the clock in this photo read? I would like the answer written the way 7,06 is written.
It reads 8,42
